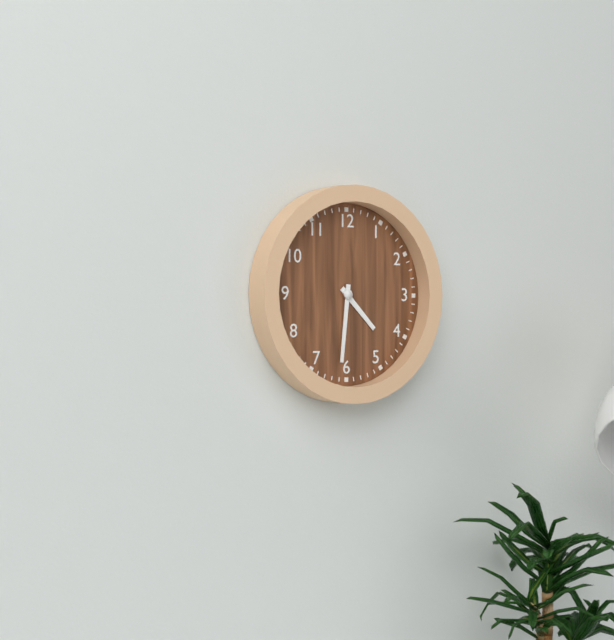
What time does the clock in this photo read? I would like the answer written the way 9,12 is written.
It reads 4,31
